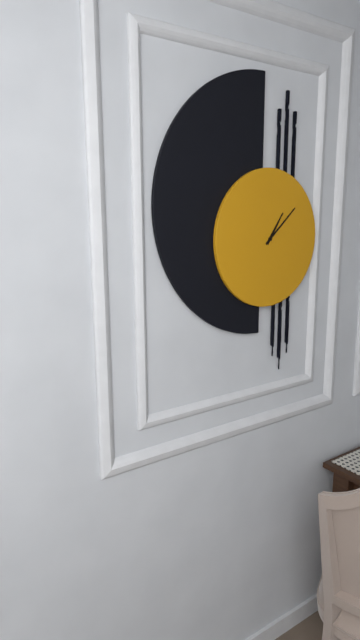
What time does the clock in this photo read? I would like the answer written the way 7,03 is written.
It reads 1,08
